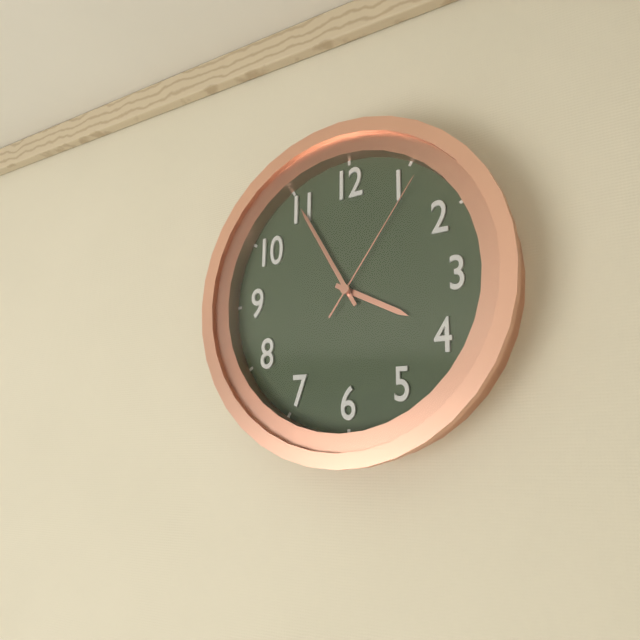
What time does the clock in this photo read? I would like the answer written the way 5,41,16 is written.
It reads 3,55,06
